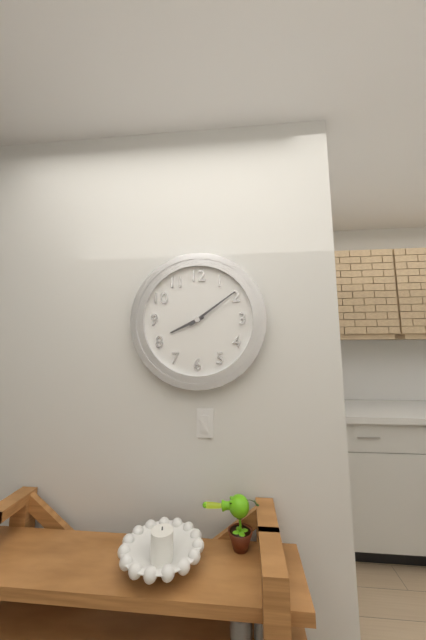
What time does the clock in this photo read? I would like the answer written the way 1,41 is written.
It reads 8,09
